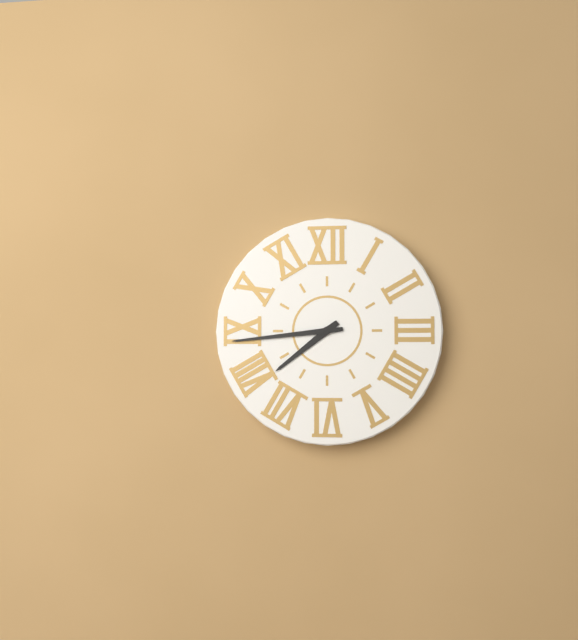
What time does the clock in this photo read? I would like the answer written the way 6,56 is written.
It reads 7,44
